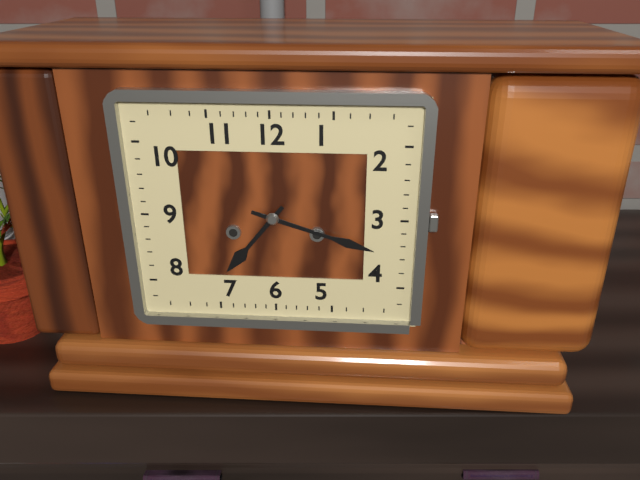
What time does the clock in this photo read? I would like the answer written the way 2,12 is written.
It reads 7,18
